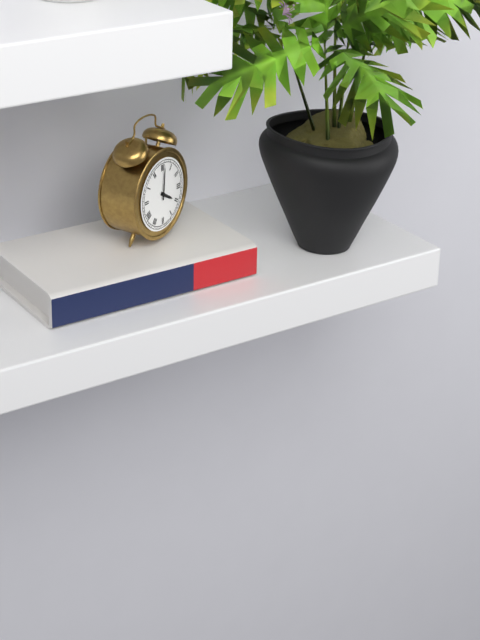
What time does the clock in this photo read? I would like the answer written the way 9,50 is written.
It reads 4,01
